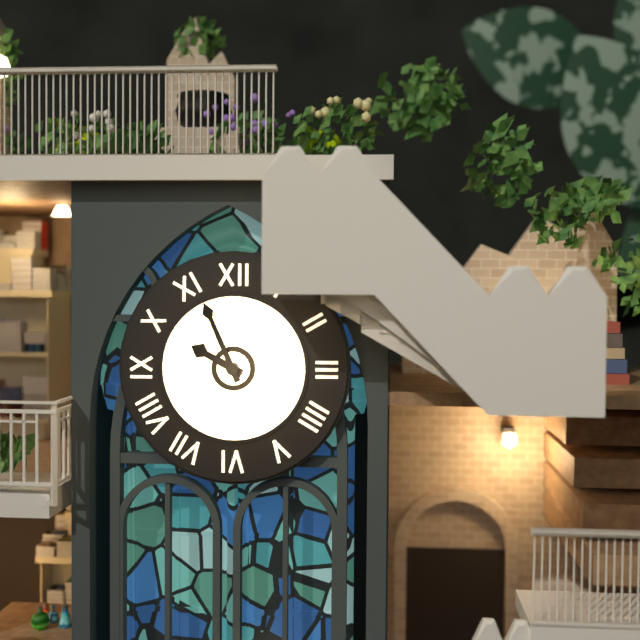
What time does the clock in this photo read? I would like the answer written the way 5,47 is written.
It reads 9,56
